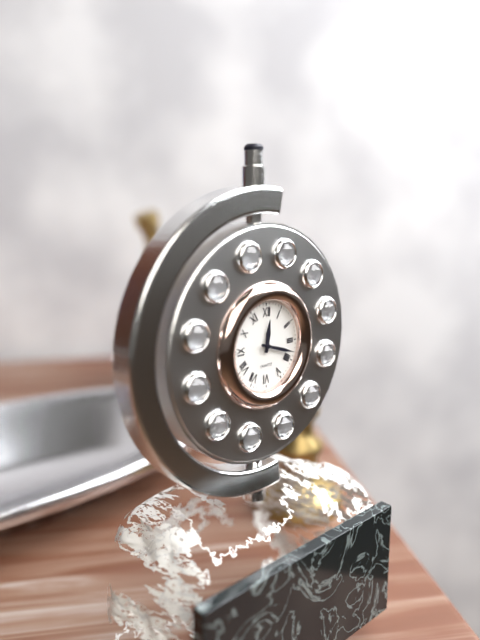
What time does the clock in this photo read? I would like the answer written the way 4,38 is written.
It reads 12,18
